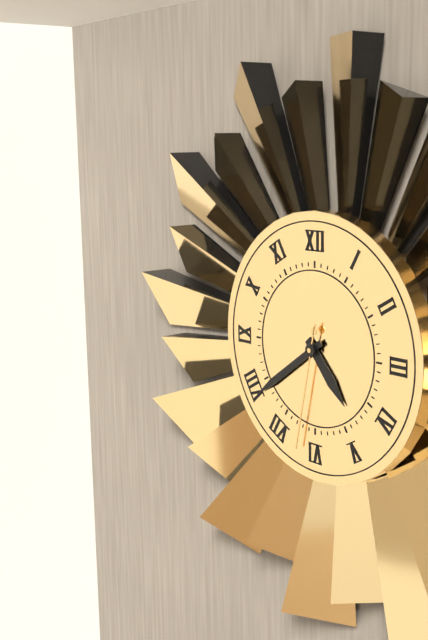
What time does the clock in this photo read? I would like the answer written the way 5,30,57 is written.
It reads 4,39,32
